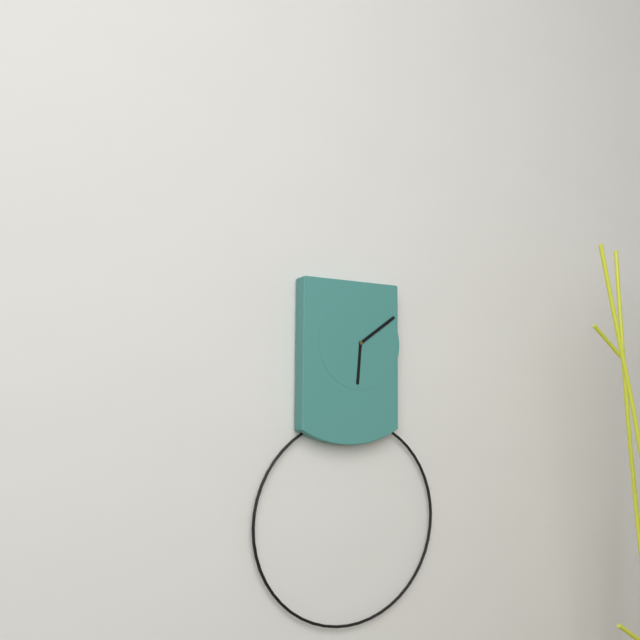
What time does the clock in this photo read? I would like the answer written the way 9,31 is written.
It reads 6,09
